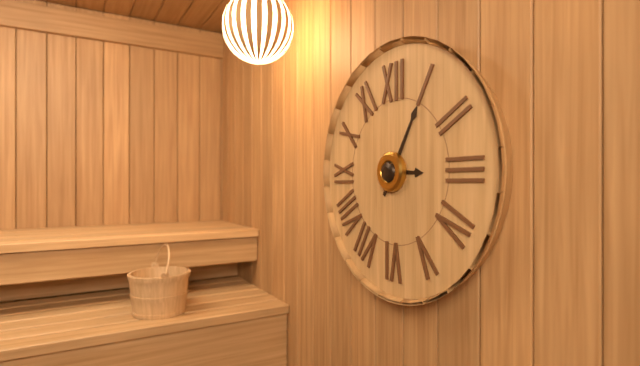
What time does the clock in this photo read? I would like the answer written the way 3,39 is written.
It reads 3,05
